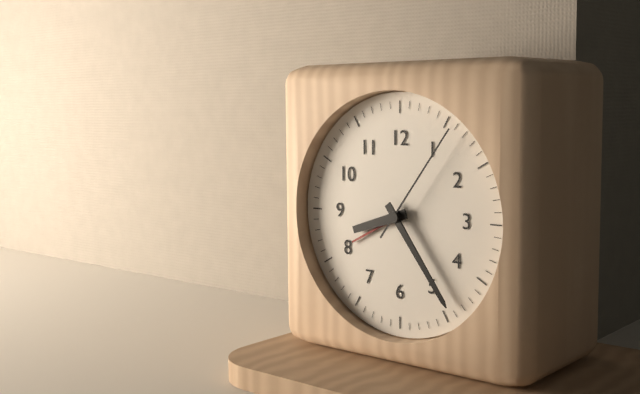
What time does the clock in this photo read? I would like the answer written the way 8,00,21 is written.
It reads 8,24,06
